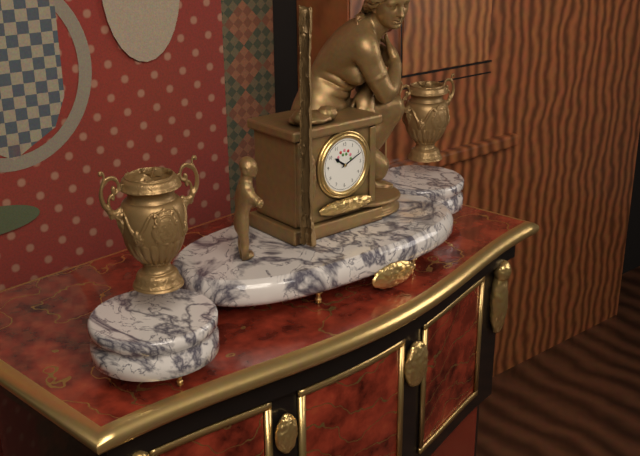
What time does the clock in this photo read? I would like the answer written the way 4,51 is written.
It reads 10,11
